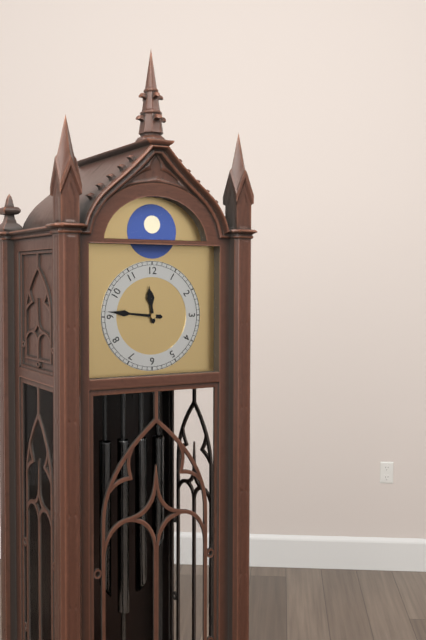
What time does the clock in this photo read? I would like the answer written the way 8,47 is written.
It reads 11,46
